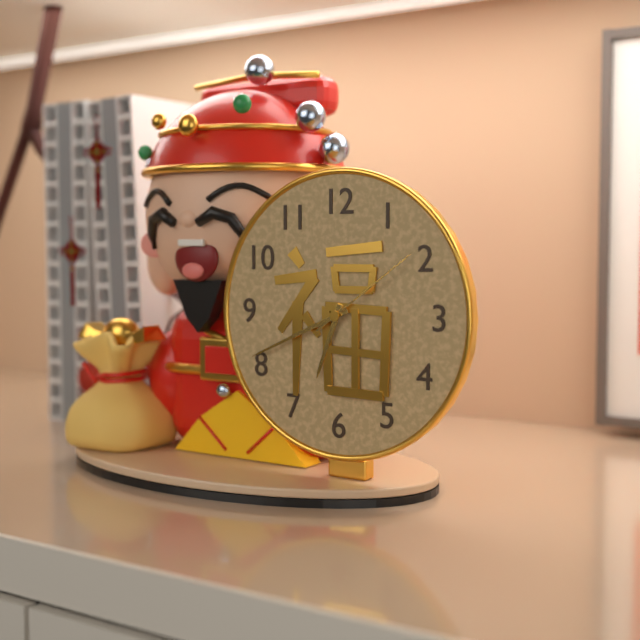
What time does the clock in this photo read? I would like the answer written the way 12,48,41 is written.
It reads 6,41,09
